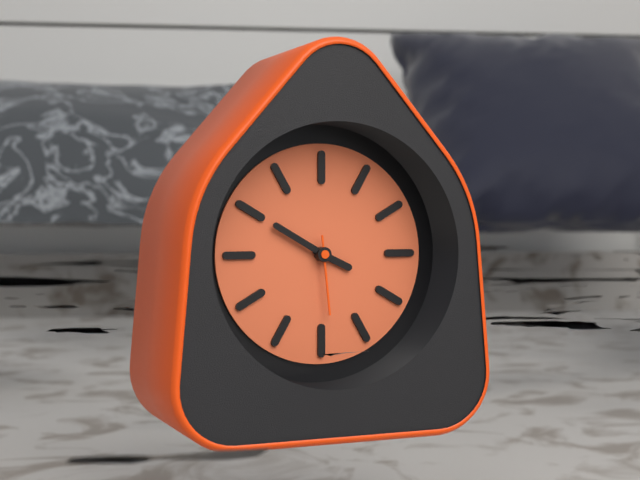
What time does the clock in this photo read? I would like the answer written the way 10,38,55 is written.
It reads 3,50,29
